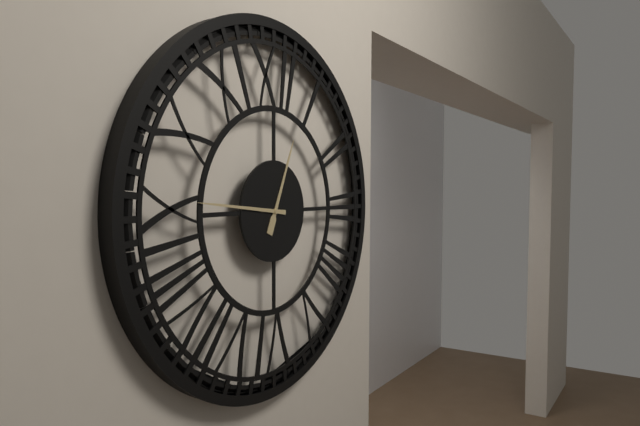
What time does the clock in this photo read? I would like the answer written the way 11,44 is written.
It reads 12,46
